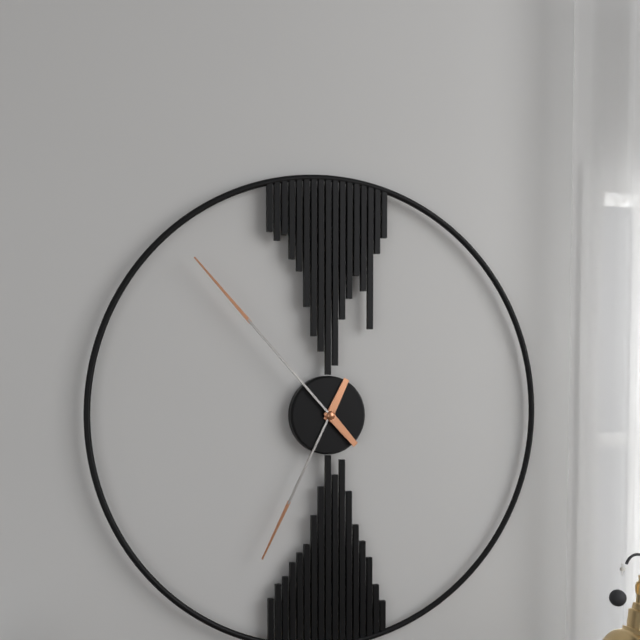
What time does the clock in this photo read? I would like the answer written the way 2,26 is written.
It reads 6,53
